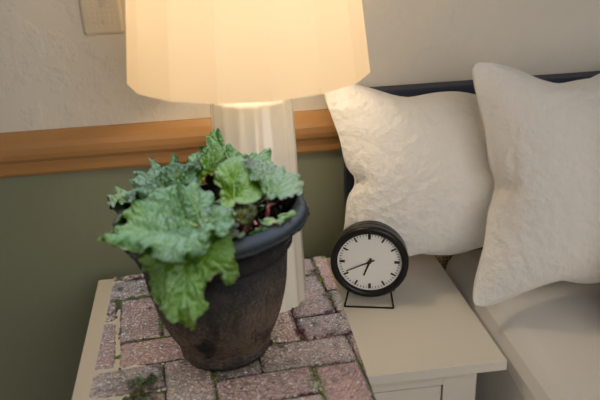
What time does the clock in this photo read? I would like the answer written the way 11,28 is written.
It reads 6,41
